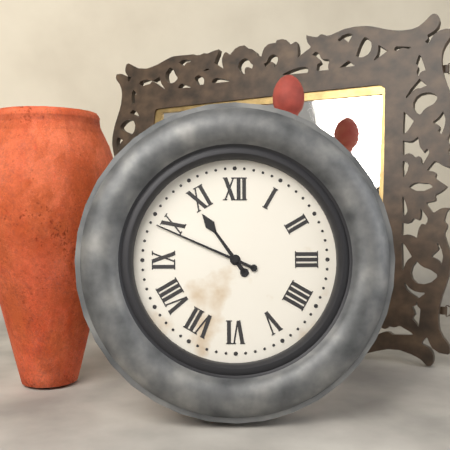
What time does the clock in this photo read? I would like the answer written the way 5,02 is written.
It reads 10,49
